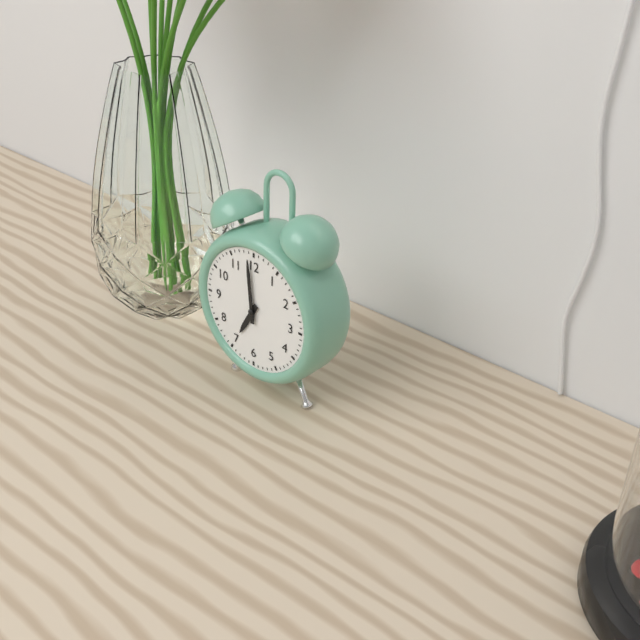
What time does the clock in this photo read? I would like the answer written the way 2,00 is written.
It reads 6,59
